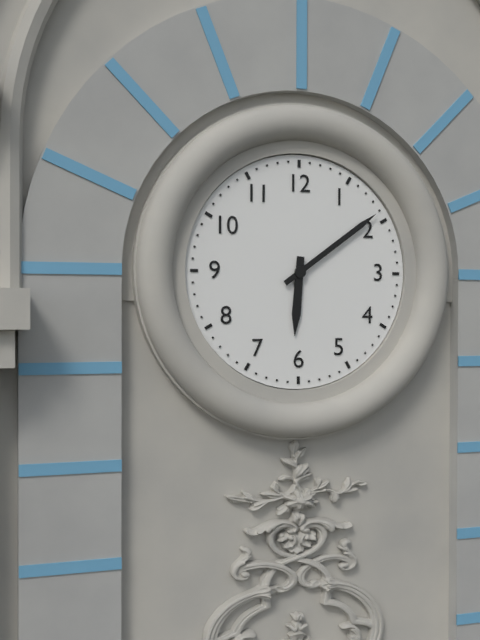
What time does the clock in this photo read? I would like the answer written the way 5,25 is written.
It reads 6,09
